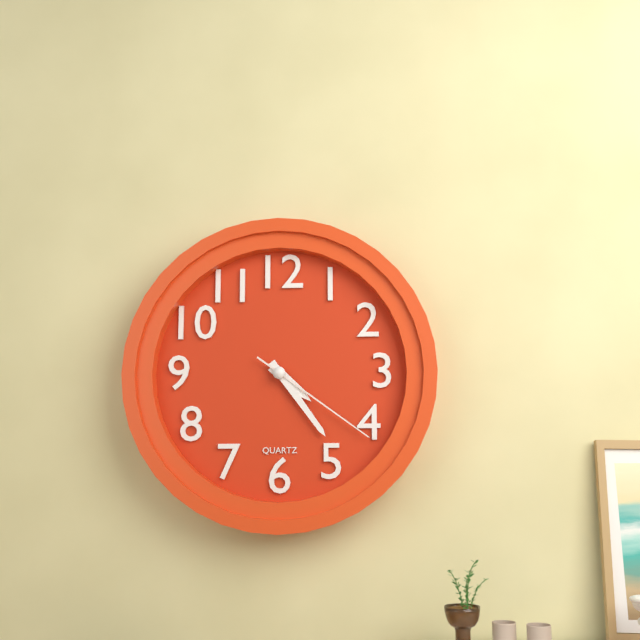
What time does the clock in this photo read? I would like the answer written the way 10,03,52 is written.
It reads 4,24,21
